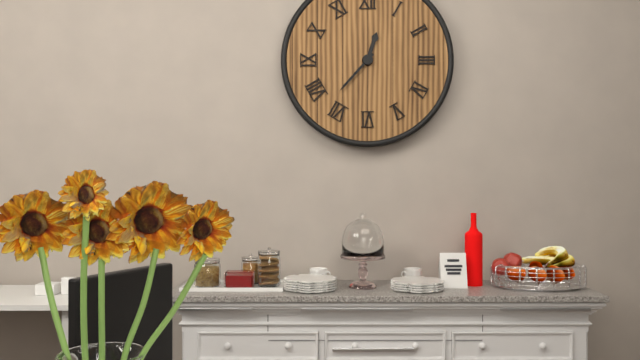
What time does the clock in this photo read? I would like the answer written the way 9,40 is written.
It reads 12,37
